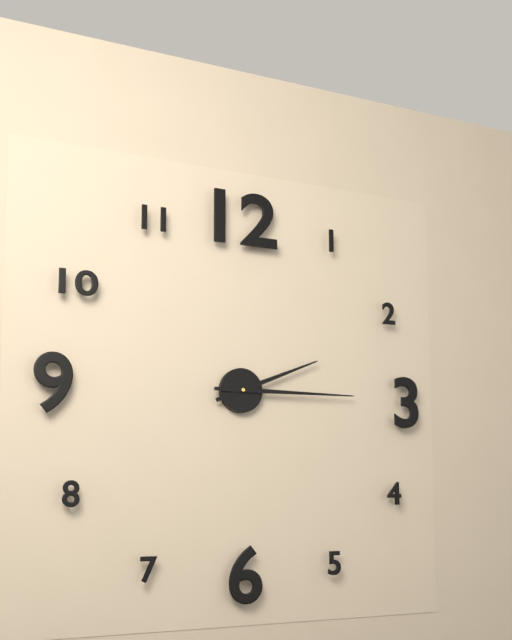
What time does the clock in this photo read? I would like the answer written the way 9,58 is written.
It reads 2,15
